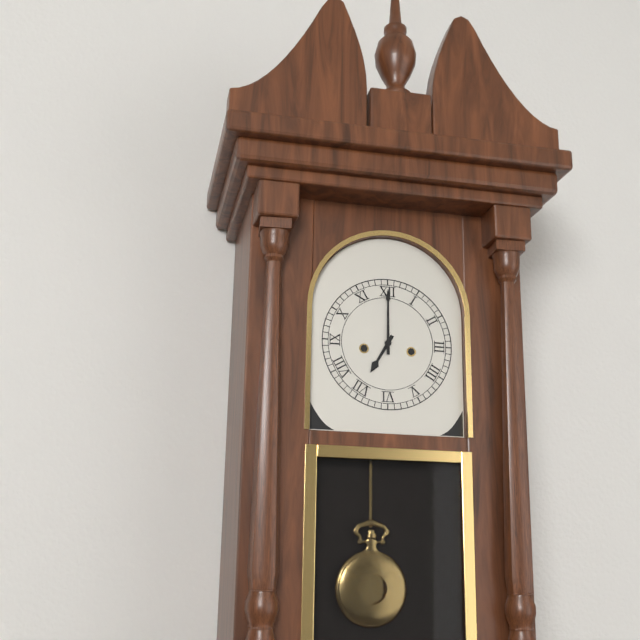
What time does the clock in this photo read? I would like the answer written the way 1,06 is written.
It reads 7,00
